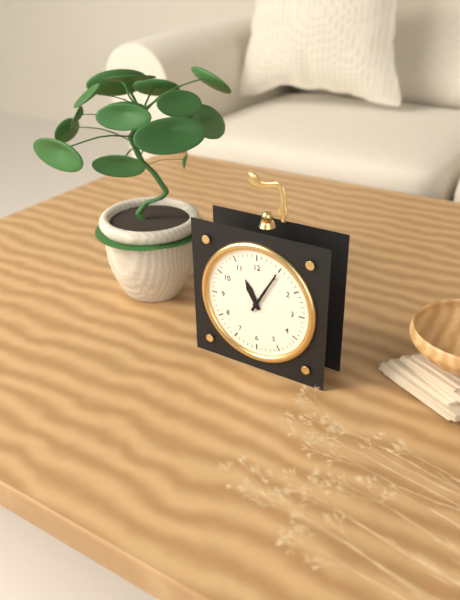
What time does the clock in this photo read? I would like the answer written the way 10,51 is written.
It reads 11,05
